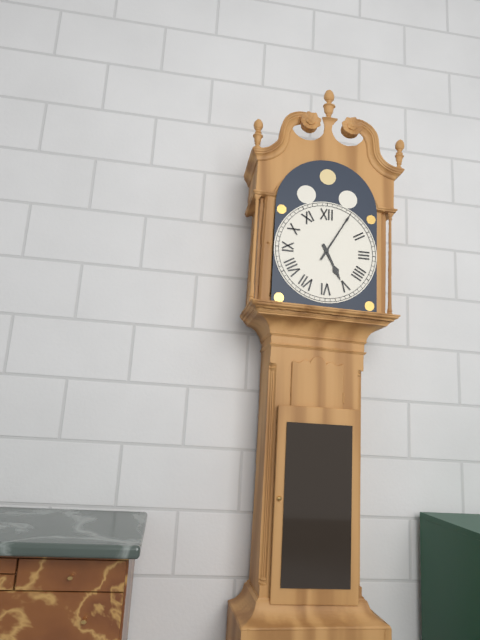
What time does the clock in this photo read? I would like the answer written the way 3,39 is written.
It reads 5,05
